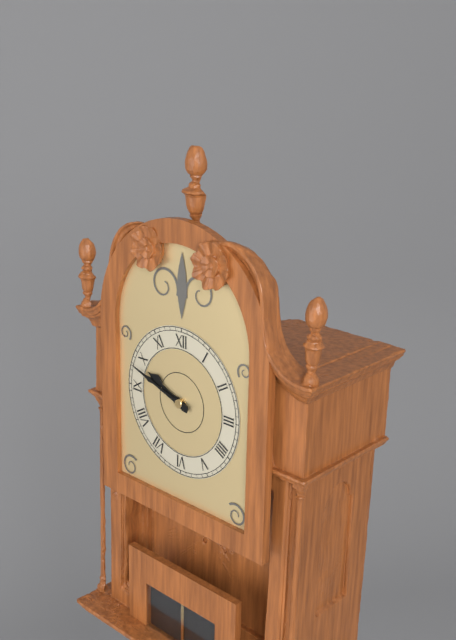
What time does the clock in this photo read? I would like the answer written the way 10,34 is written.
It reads 9,48
